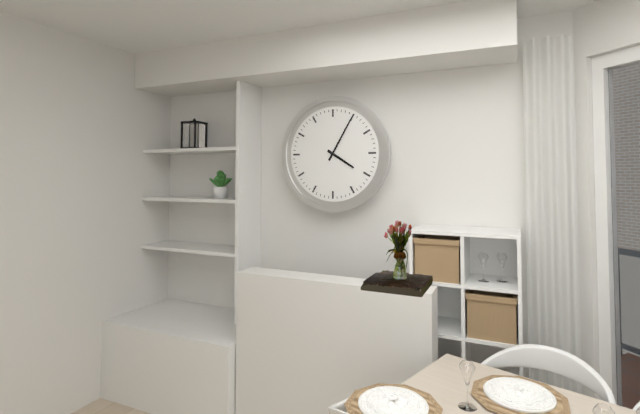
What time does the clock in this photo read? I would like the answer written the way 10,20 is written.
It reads 4,05
